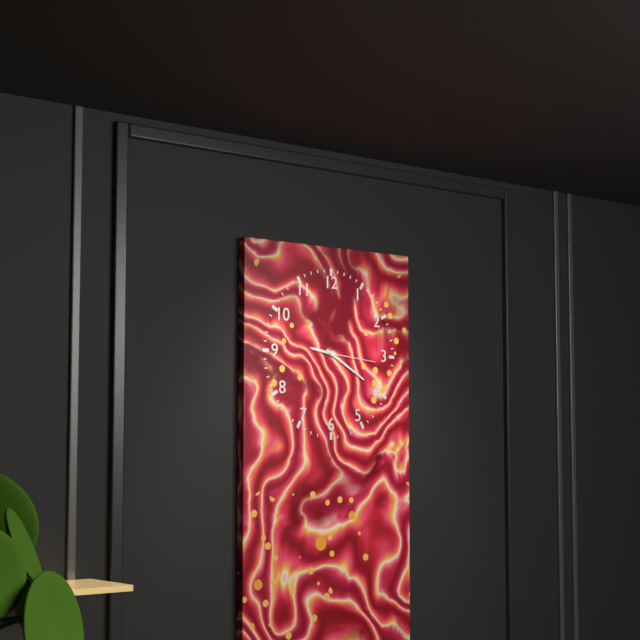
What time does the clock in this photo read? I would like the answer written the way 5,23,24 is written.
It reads 9,20,16
